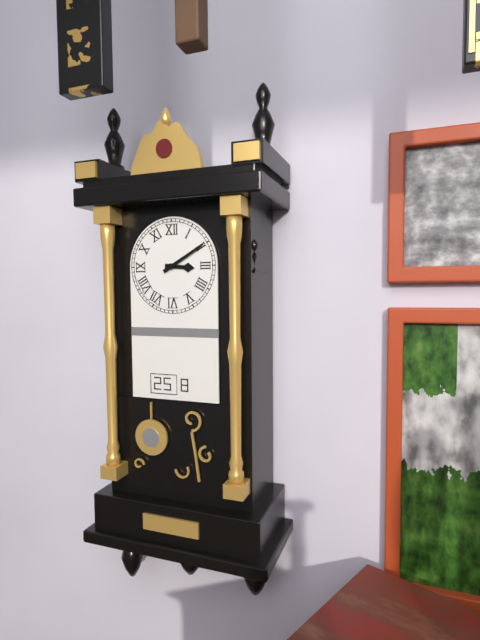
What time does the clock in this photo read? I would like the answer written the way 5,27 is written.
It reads 3,10
